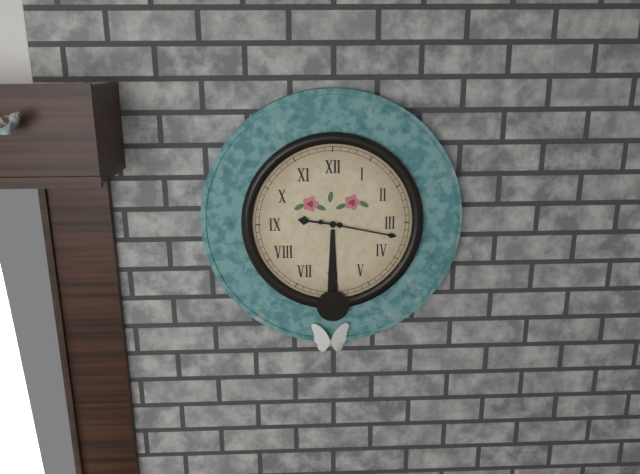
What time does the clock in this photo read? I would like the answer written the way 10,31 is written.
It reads 9,17
